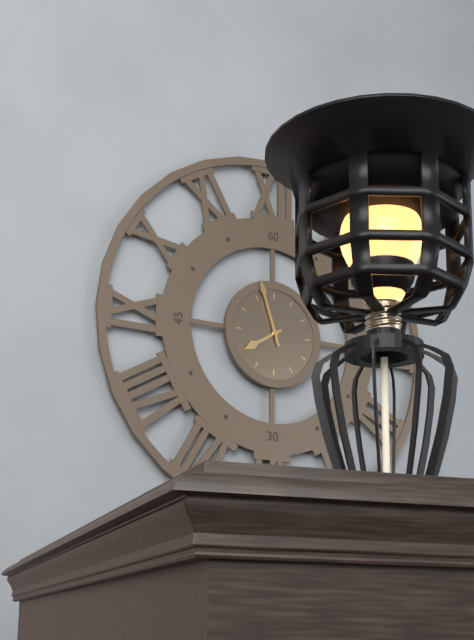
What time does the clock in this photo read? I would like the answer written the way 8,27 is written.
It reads 7,57
